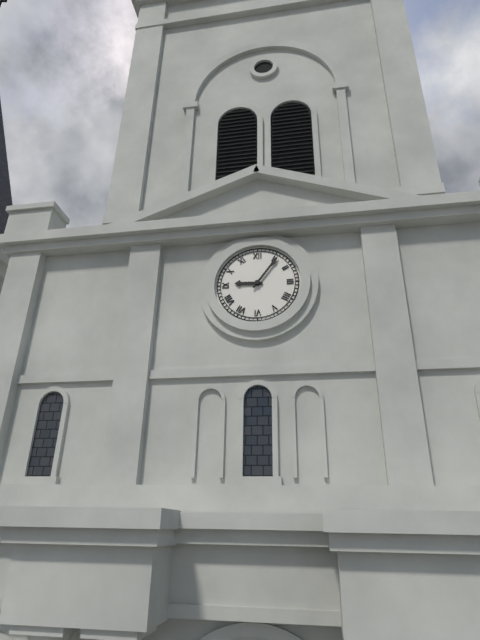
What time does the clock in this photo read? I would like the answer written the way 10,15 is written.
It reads 9,06
